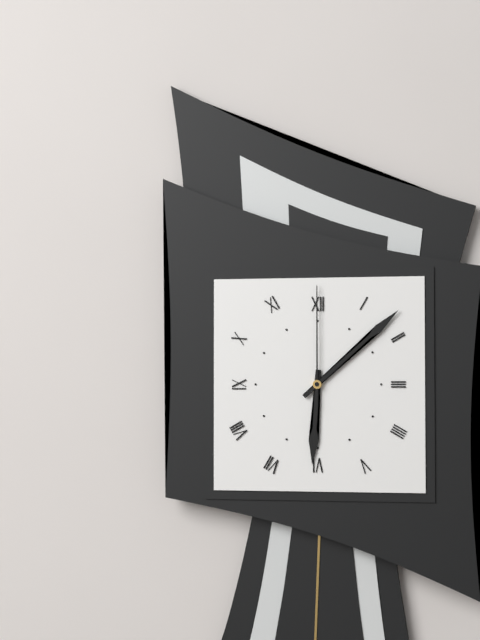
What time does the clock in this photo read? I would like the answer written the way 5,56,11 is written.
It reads 6,08,00
